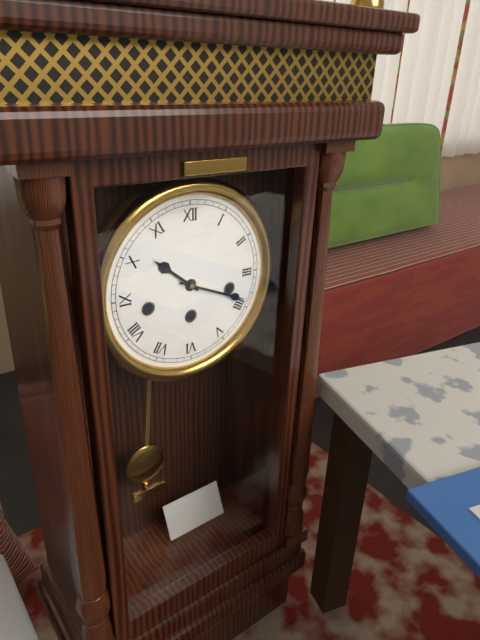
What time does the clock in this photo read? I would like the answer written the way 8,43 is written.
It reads 10,19
